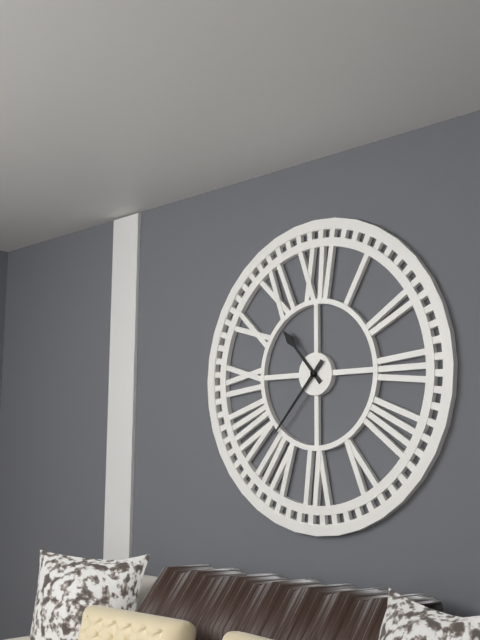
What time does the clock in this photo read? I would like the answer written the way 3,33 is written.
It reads 10,37
